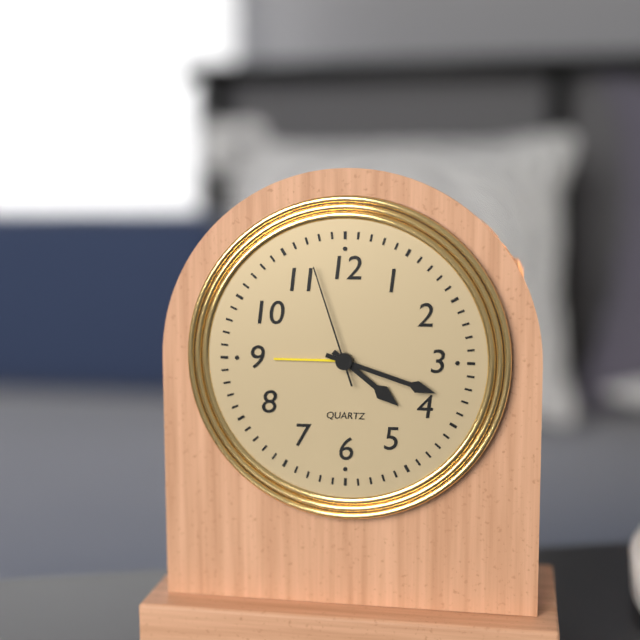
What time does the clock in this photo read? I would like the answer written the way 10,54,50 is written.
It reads 4,18,57
